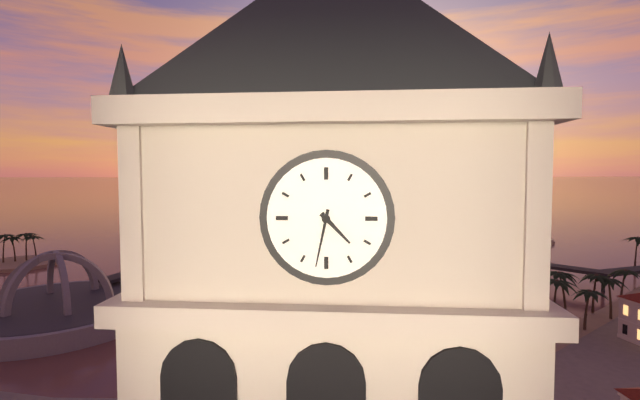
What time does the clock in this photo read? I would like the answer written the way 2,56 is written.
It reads 4,32
